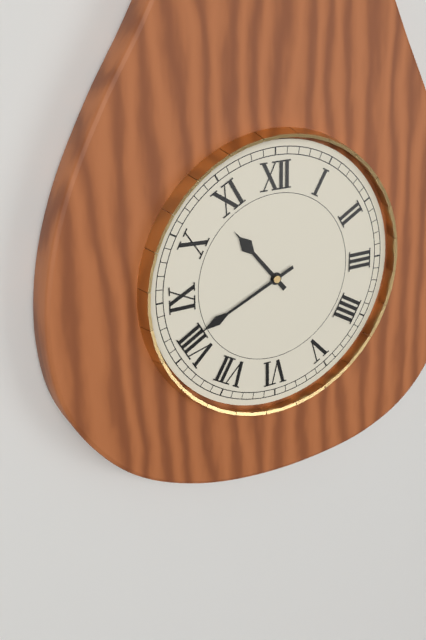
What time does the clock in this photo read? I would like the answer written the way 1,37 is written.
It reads 10,41
